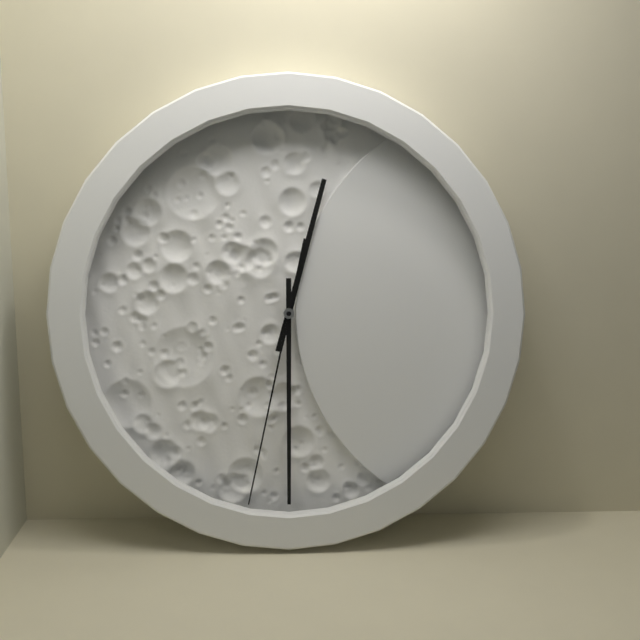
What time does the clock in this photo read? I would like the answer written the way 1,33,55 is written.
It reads 12,30,32
